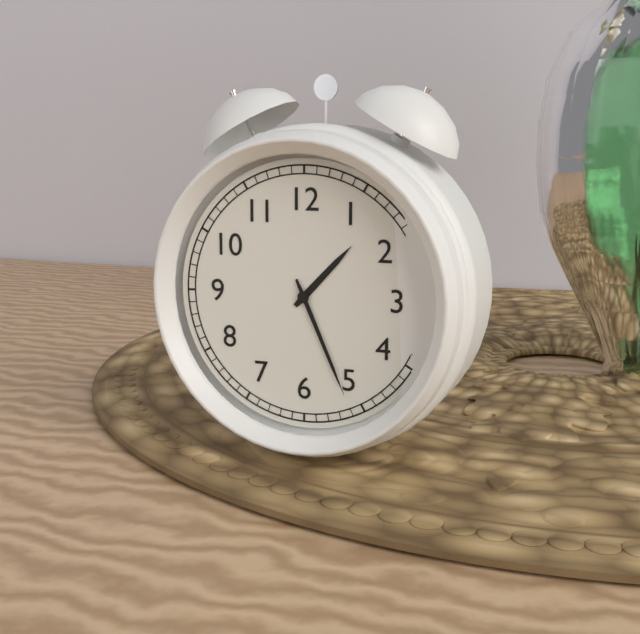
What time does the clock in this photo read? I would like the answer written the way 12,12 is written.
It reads 1,26
